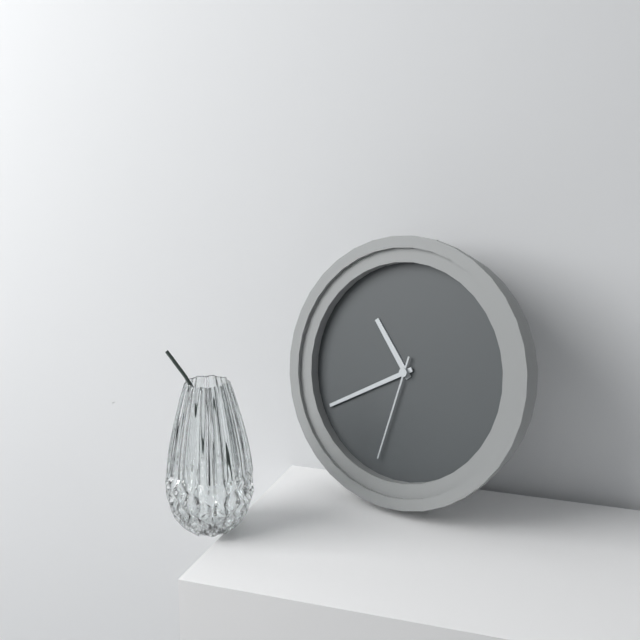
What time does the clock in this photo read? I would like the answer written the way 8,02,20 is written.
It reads 10,40,32
